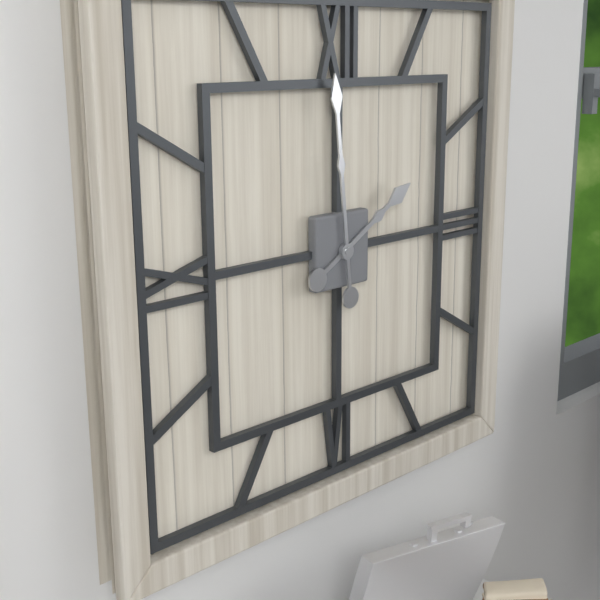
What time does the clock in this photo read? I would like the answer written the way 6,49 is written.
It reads 1,59
